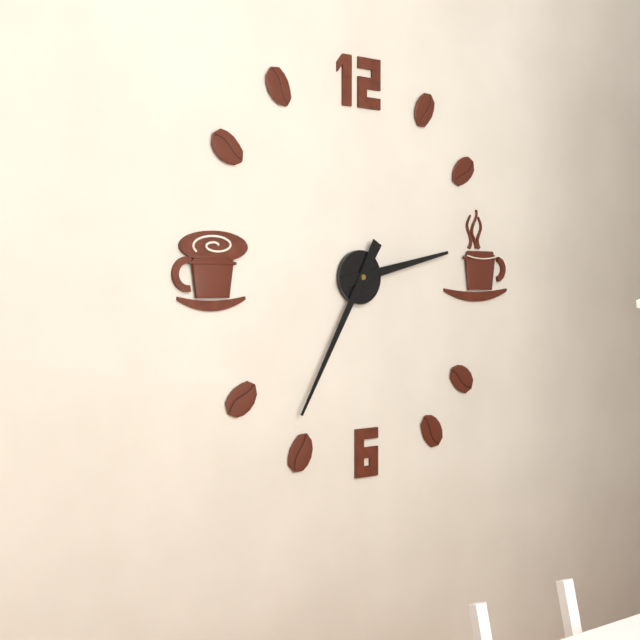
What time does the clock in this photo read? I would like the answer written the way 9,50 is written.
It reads 2,35
